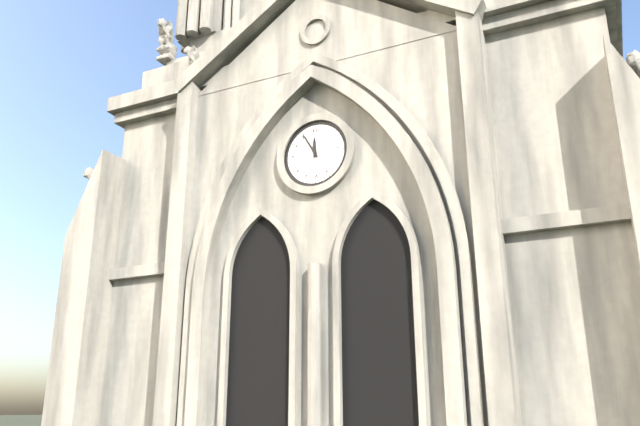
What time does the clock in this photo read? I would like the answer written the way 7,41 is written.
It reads 11,55
